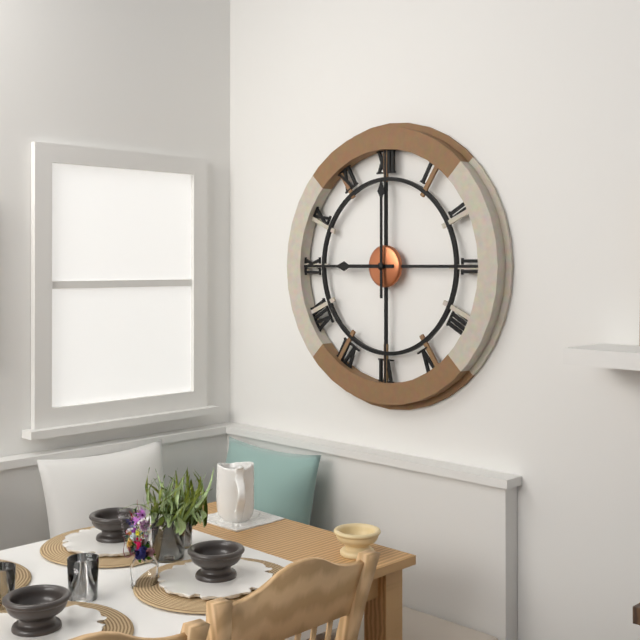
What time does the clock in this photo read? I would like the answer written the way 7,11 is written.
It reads 9,00
